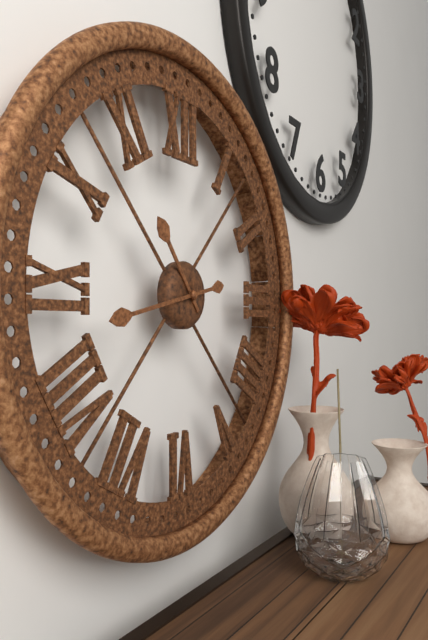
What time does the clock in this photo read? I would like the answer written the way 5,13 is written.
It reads 10,43
